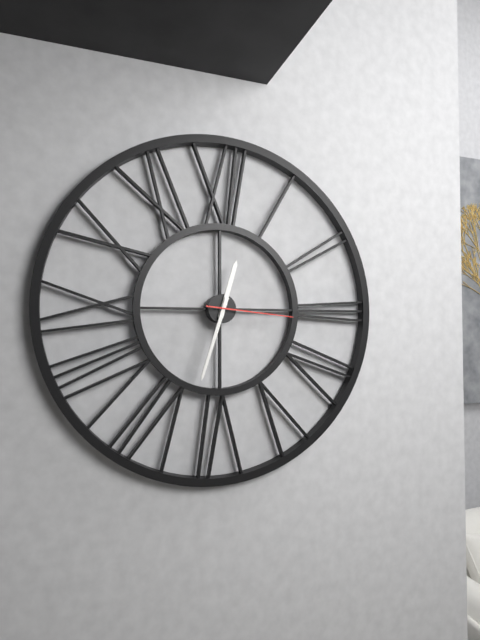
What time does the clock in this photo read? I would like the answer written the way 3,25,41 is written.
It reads 12,33,16
